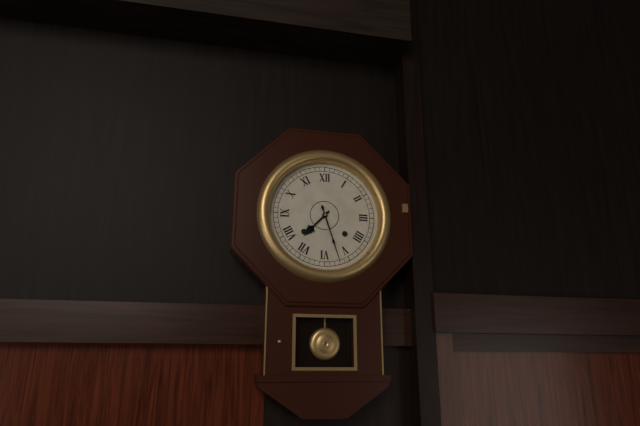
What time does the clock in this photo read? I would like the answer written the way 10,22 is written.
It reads 7,27
